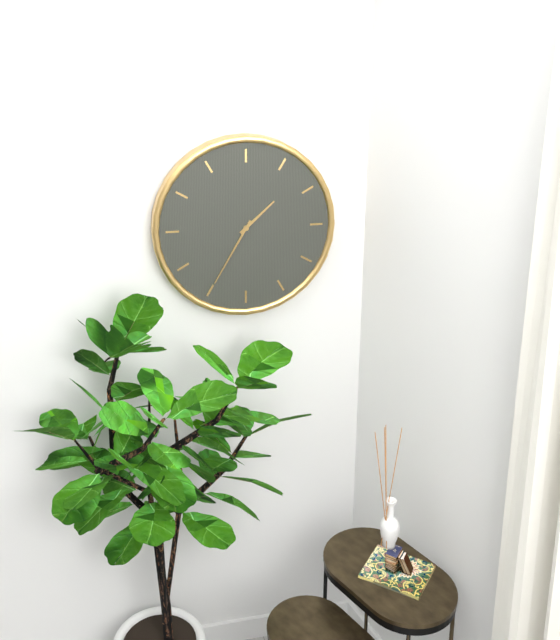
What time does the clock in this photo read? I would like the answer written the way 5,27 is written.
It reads 1,35
